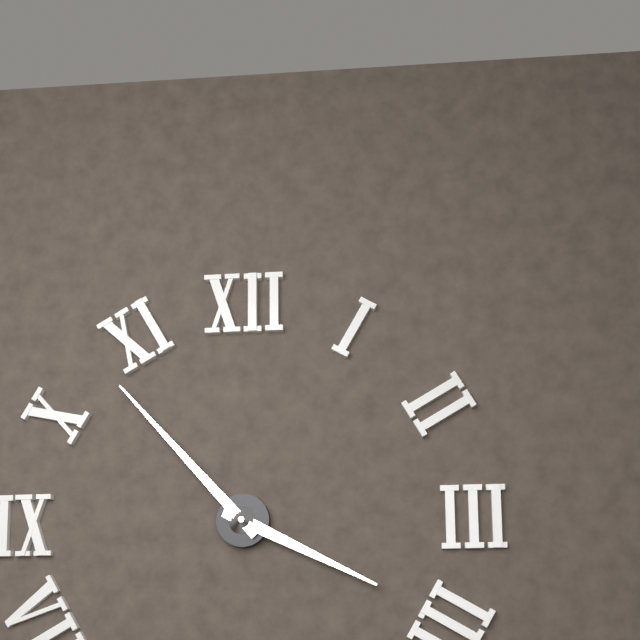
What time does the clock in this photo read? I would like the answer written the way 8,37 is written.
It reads 3,53
